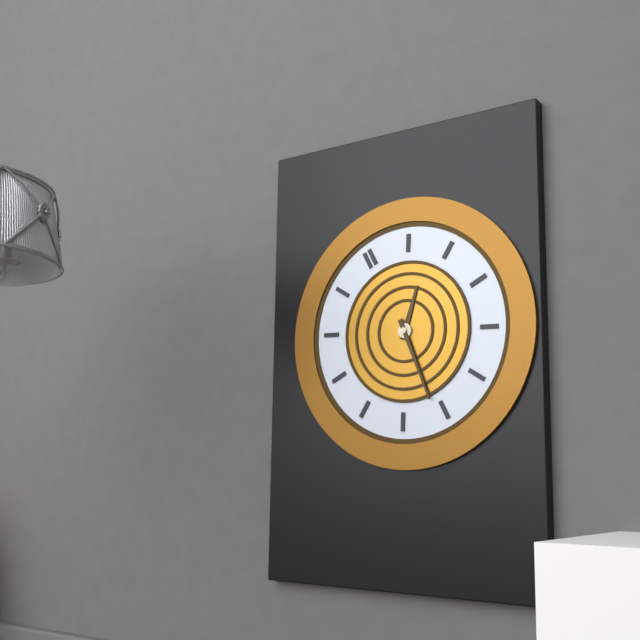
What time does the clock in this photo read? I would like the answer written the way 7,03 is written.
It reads 1,31
